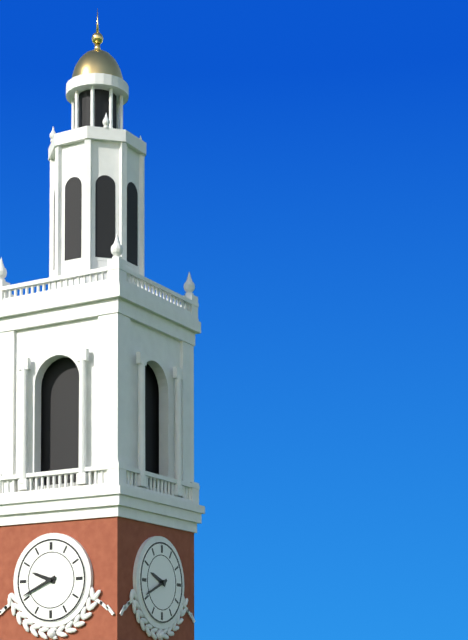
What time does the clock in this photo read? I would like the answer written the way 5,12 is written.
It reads 9,41
